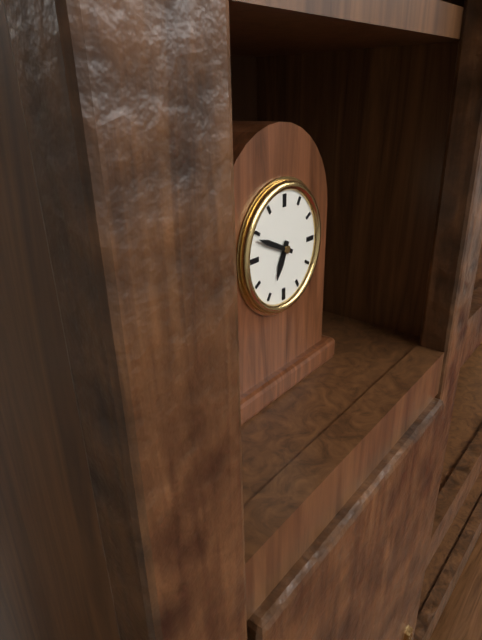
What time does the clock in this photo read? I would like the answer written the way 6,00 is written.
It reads 6,49
